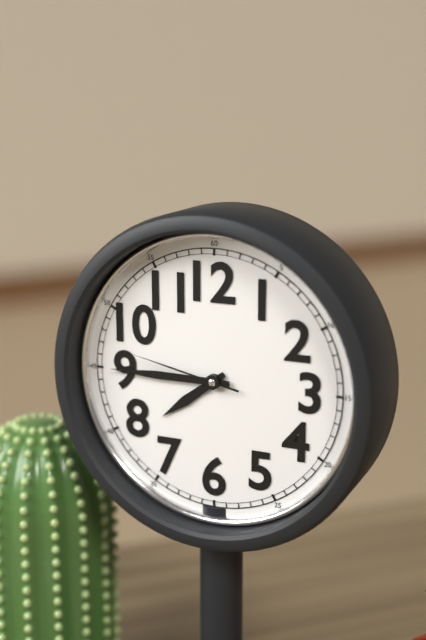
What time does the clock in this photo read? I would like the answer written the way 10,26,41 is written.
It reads 7,45,47
